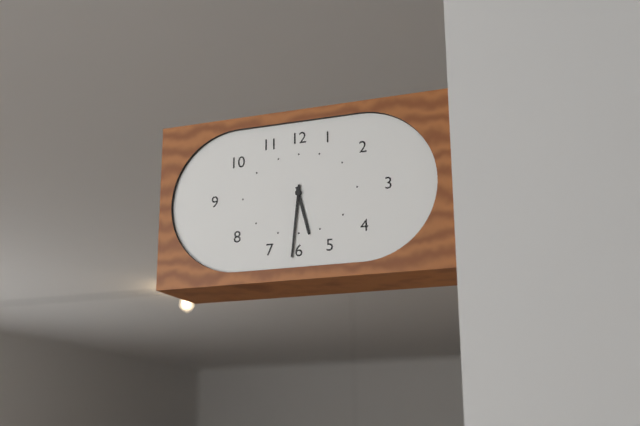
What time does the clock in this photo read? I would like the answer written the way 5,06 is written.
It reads 5,31
